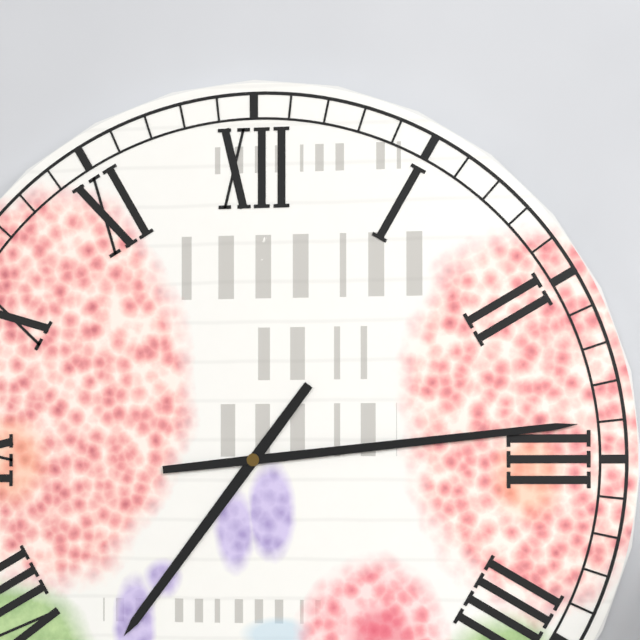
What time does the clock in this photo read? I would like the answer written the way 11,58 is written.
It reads 7,14
